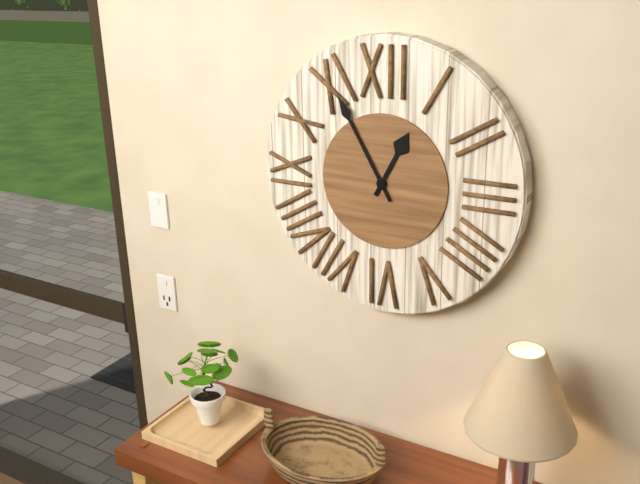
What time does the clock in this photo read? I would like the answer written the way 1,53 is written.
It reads 12,55
